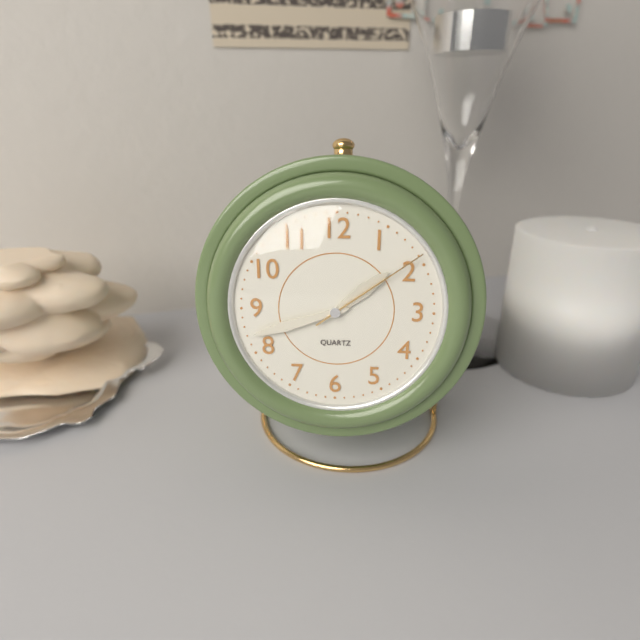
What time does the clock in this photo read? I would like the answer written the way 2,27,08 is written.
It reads 1,42,09
